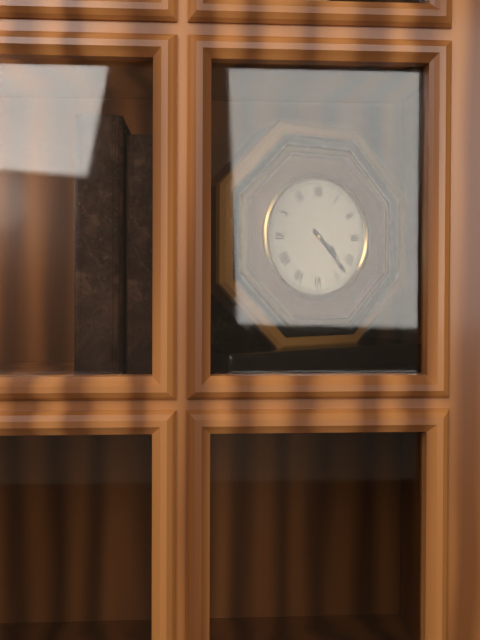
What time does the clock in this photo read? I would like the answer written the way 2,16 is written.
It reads 4,23
